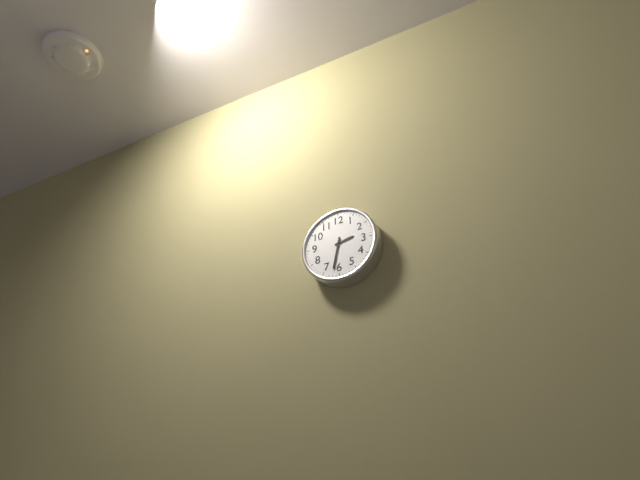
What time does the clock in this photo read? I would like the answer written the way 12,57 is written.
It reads 2,32
